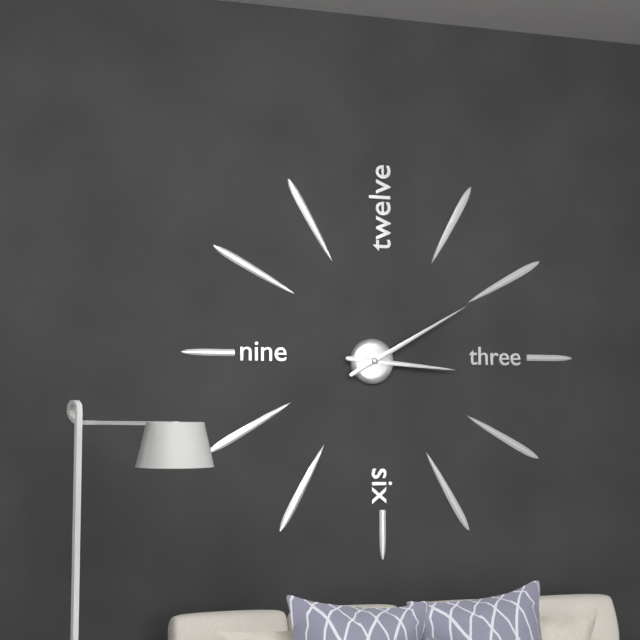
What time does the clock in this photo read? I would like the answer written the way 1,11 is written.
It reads 3,10
